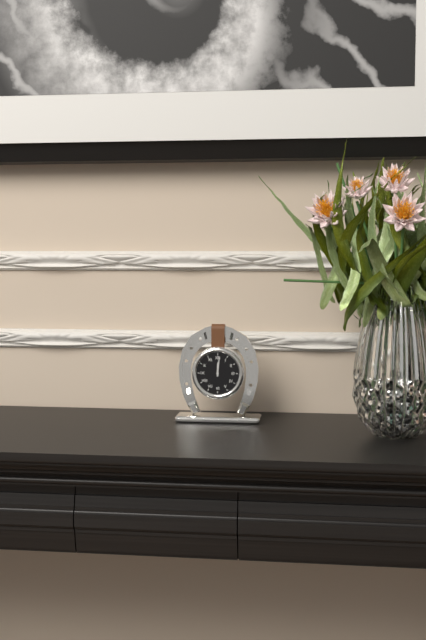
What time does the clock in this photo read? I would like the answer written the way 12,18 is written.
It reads 12,01
